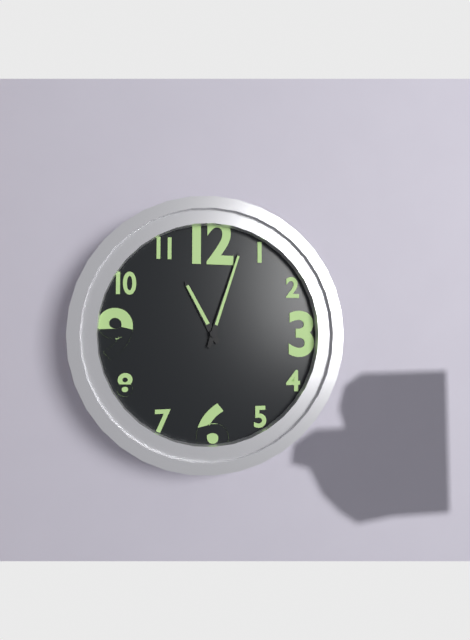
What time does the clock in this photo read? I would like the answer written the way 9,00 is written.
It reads 11,03
